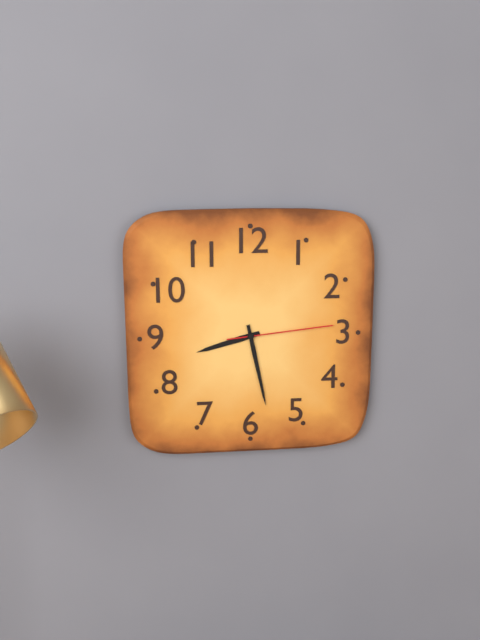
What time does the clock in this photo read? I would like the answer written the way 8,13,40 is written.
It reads 8,28,14
